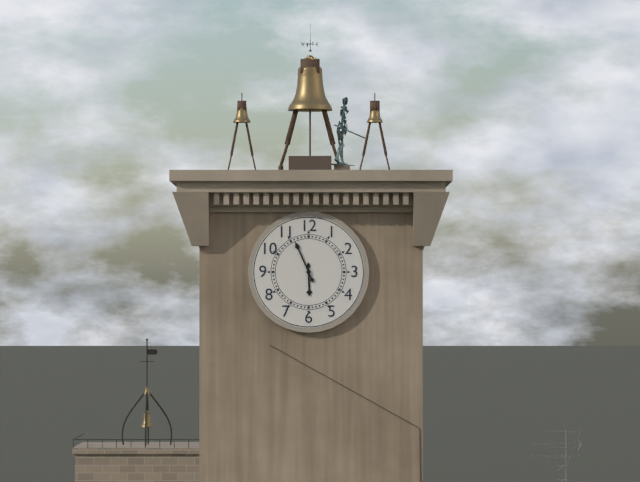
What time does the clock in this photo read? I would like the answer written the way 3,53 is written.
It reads 5,56
